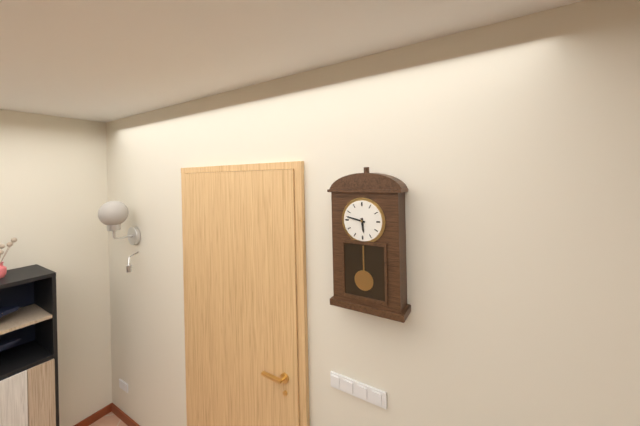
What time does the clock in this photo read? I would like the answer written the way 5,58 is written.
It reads 5,47
